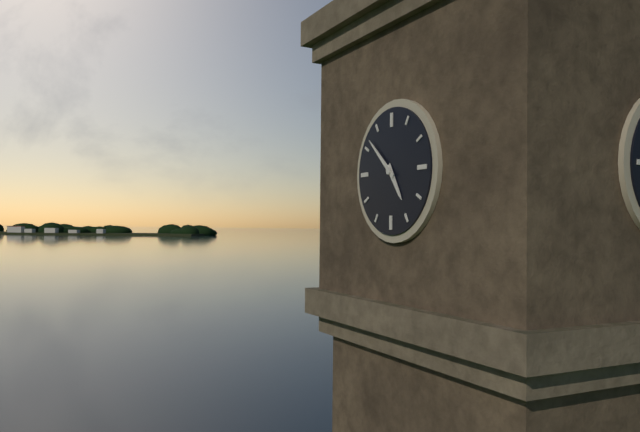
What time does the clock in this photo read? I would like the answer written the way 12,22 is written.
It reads 4,52
